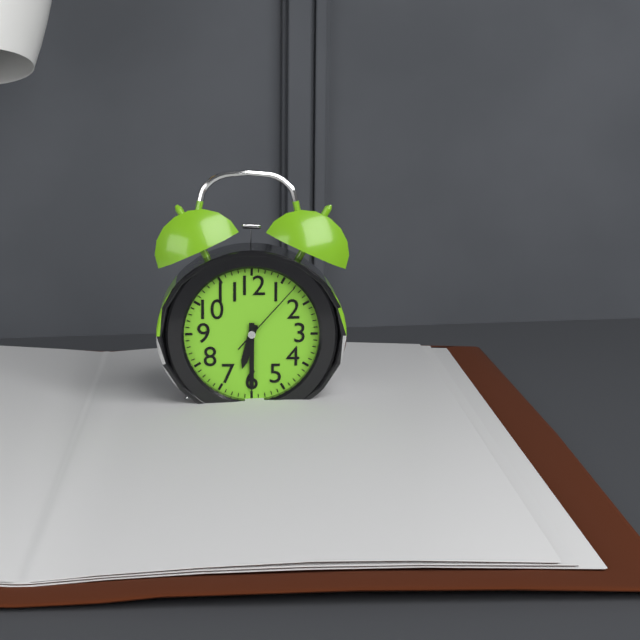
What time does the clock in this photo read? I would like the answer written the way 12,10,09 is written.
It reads 6,30,07
